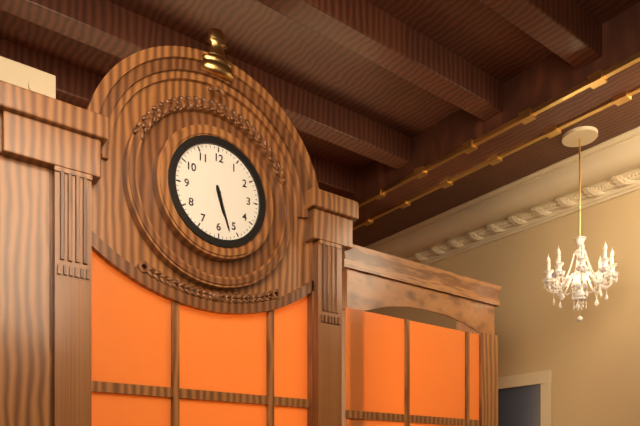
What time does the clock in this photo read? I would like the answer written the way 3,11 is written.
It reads 5,27
